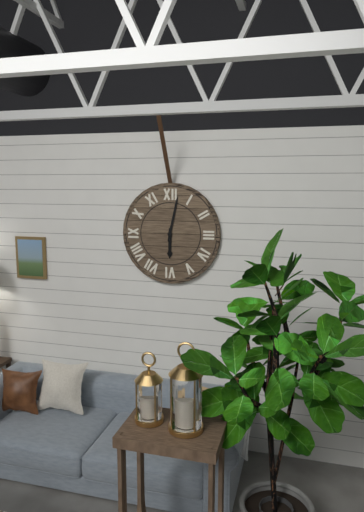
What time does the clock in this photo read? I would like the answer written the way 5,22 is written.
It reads 6,02
